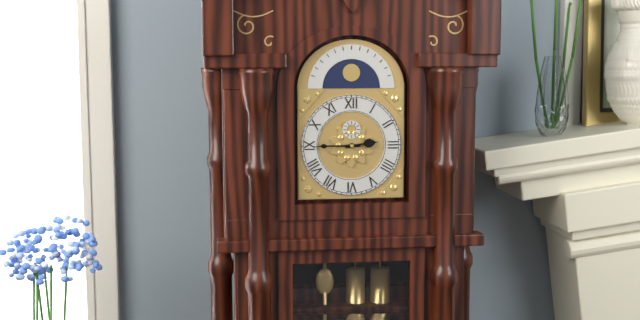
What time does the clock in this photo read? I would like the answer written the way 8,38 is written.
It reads 2,45
